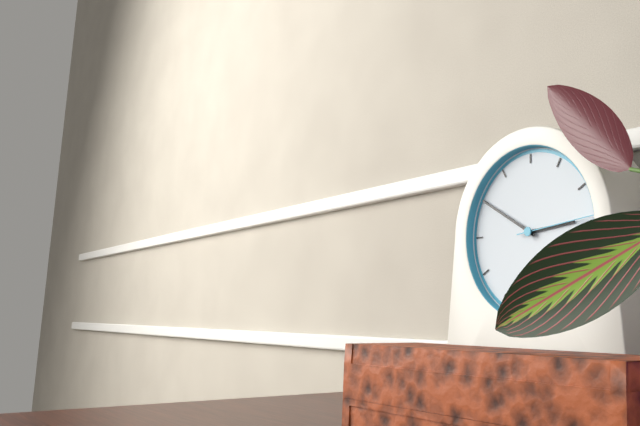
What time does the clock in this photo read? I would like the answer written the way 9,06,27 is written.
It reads 2,50,14
